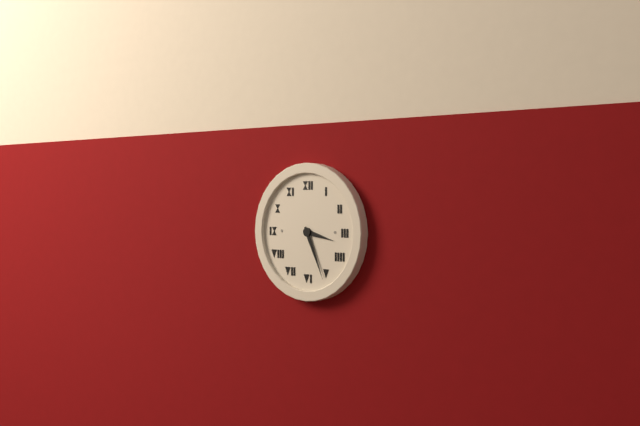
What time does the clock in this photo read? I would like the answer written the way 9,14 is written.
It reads 3,26
